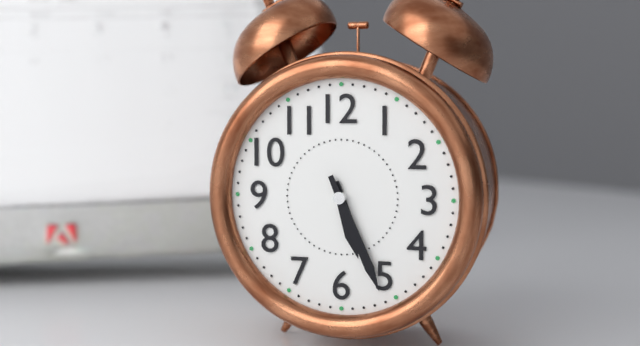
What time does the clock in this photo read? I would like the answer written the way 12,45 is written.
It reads 5,26
